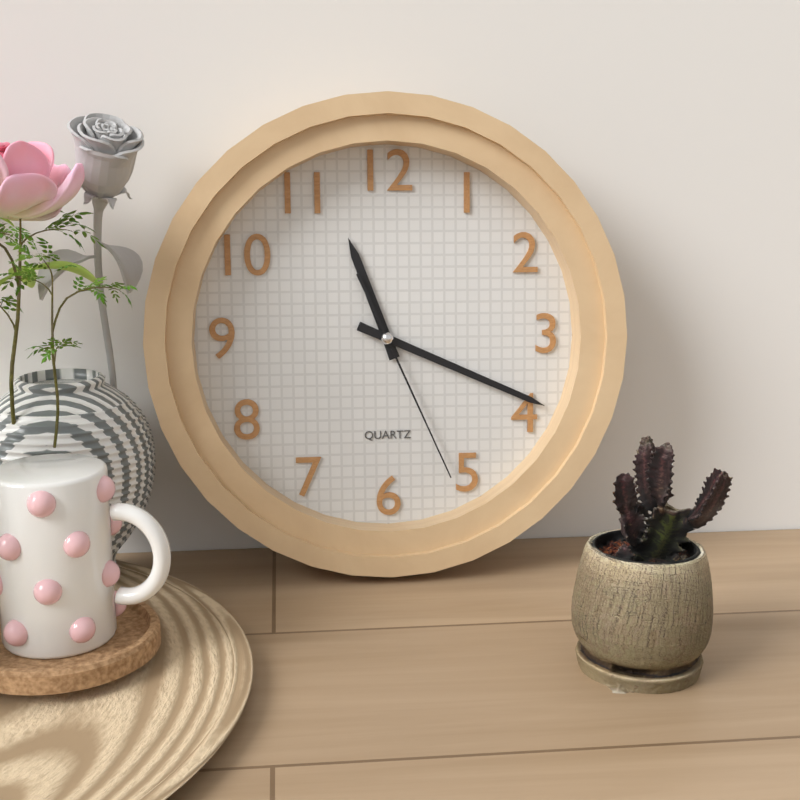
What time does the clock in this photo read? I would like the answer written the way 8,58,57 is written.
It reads 11,19,26
